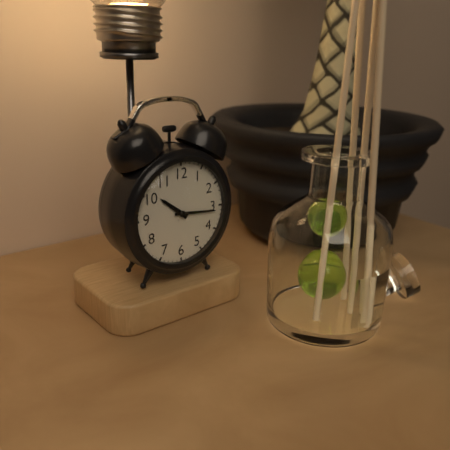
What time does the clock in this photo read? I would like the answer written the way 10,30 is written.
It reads 10,16
